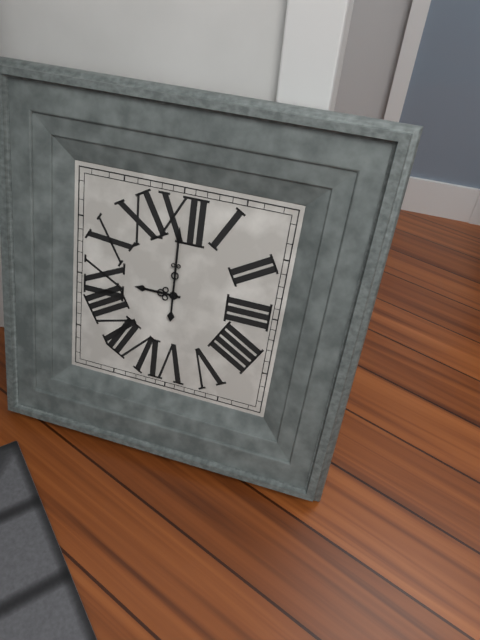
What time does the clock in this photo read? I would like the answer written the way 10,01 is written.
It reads 9,00
